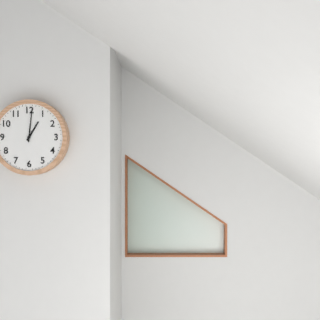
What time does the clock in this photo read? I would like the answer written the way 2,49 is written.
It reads 1,01
